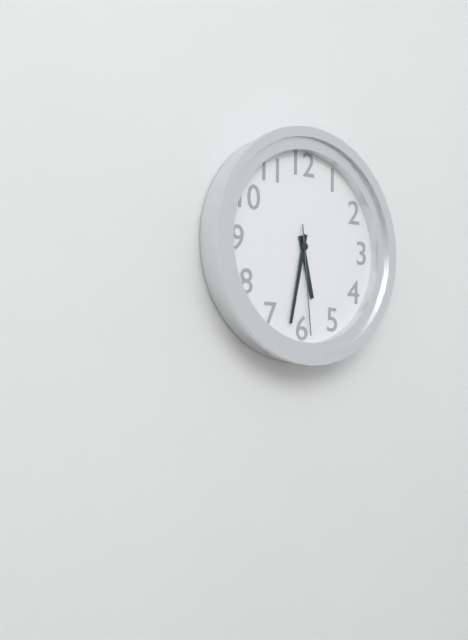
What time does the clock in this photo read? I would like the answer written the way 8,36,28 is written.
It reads 5,32,29
